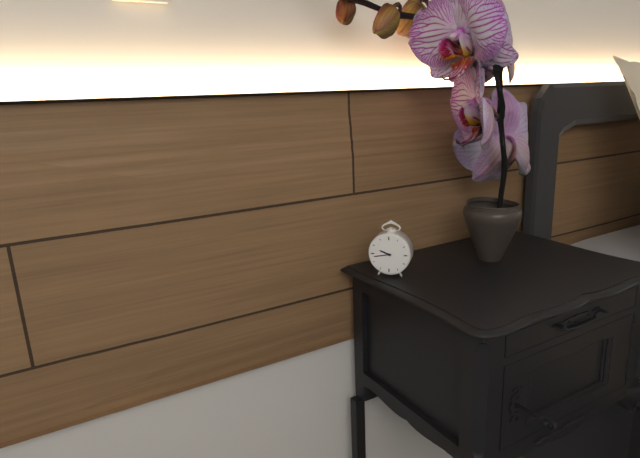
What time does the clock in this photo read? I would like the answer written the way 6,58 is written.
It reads 9,43
